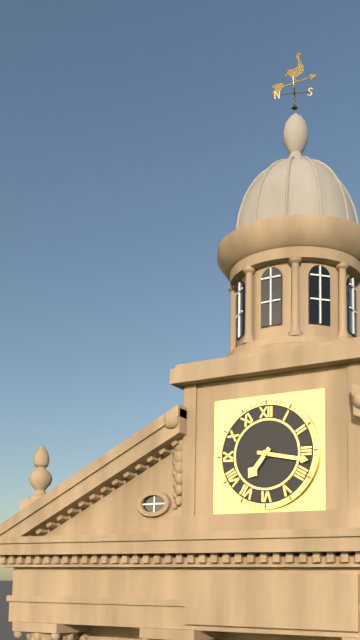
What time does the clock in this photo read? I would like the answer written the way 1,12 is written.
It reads 7,17
